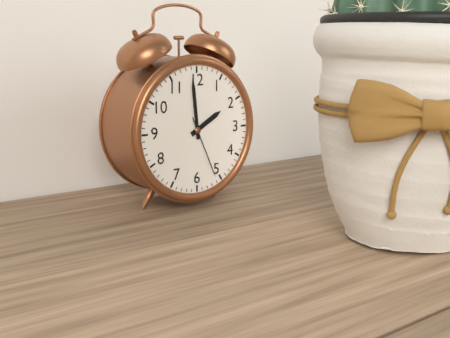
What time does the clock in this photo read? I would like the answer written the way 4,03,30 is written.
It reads 1,59,26
